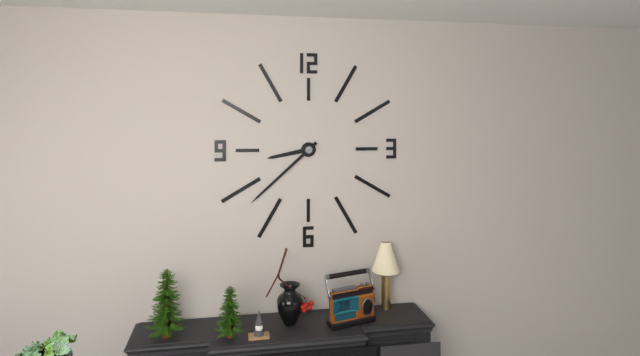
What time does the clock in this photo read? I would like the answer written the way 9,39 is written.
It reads 8,38
